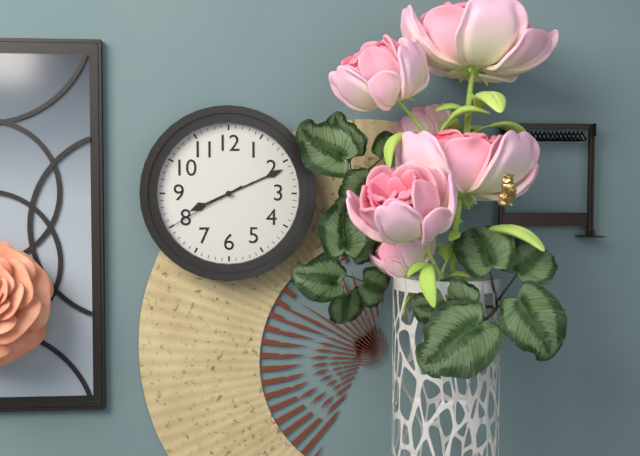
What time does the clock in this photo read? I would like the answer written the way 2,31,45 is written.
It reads 8,11,40
